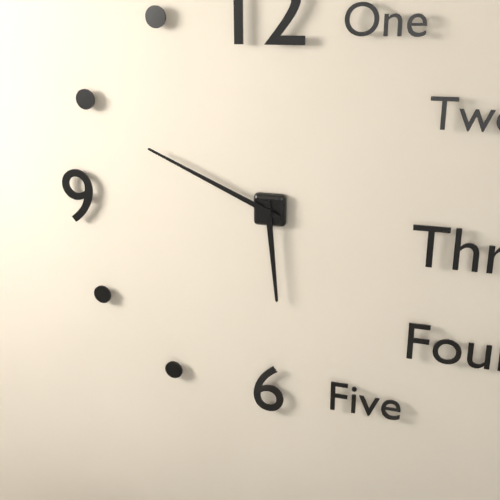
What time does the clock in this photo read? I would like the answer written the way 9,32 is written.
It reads 5,49
